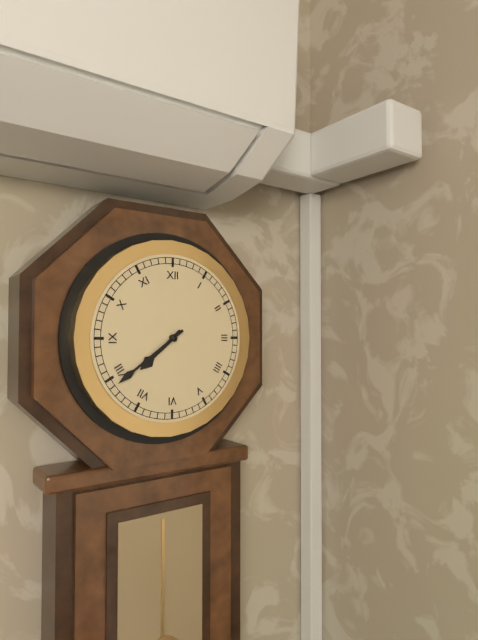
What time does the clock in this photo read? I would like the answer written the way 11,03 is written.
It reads 7,39
